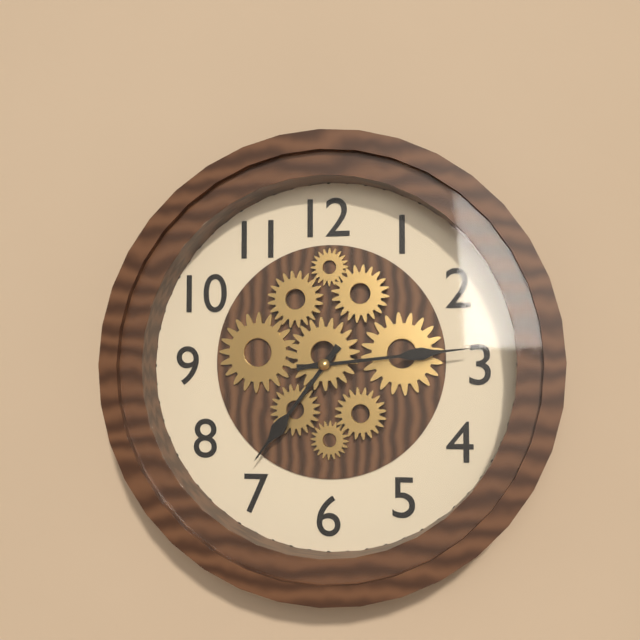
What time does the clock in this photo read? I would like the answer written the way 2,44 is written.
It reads 7,14
